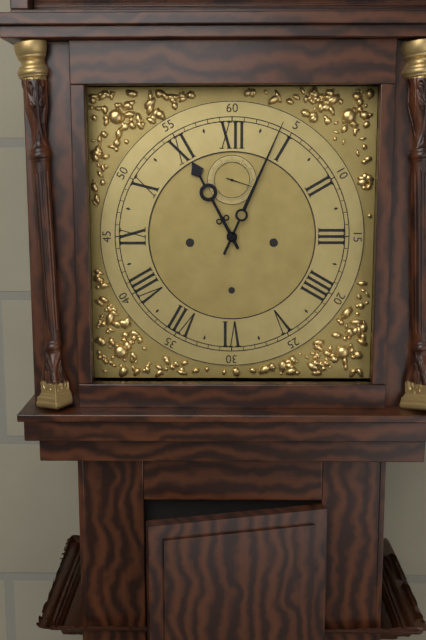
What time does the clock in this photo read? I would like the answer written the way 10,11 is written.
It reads 11,04
